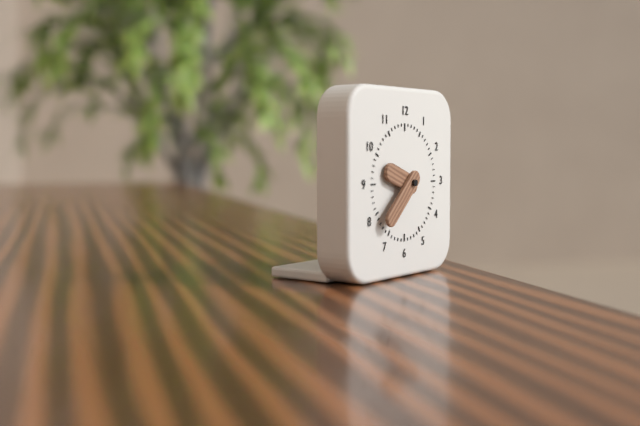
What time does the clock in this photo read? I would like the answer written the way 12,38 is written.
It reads 9,38
